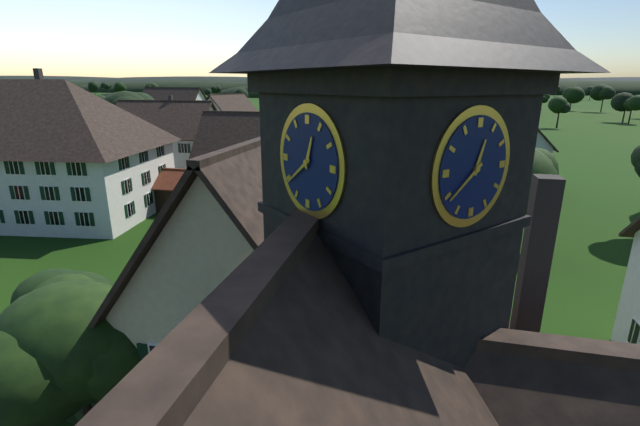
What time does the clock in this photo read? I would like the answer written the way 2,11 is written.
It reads 12,39
